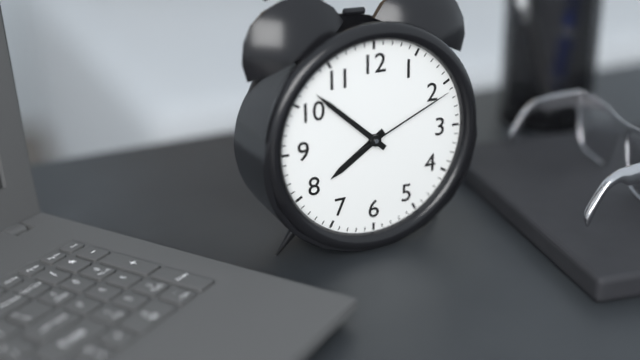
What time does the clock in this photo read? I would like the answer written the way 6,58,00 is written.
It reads 7,52,11
